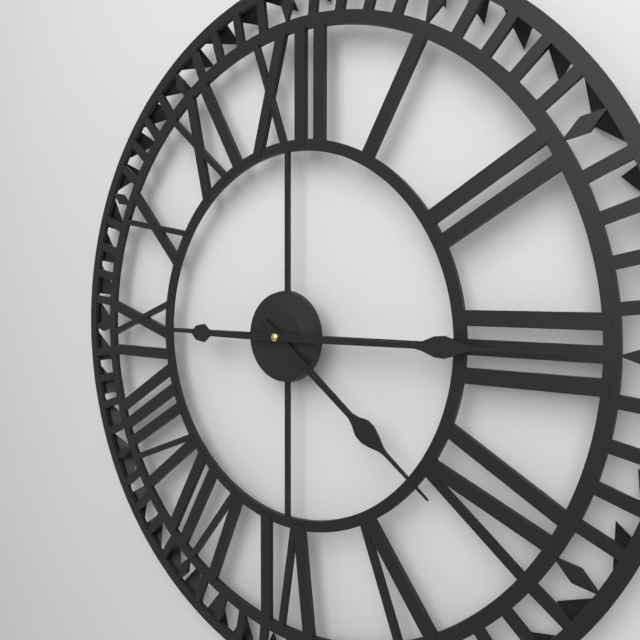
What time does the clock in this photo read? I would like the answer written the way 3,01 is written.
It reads 4,15
